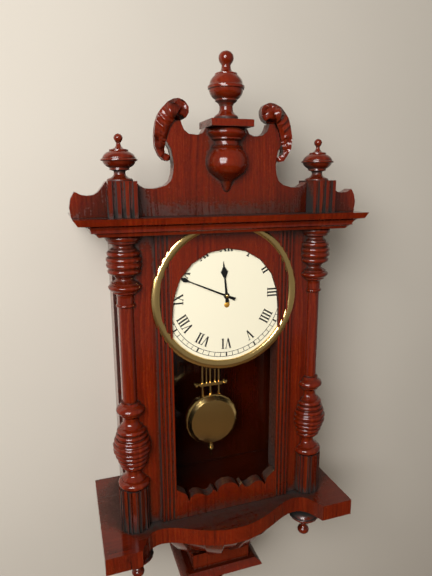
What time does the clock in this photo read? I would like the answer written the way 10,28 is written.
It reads 11,49
